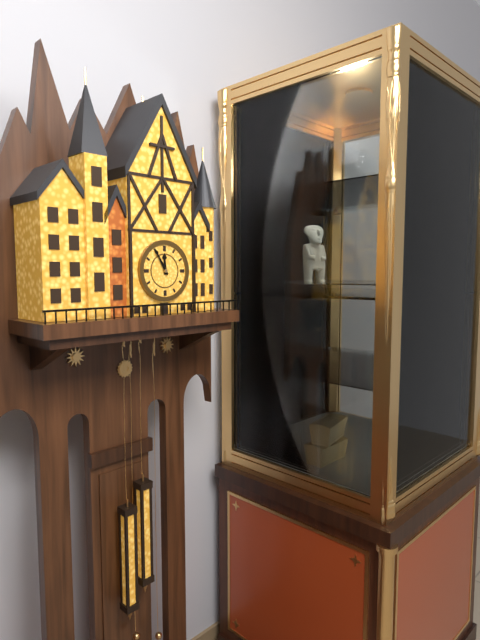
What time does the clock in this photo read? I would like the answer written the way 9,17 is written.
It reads 11,55
